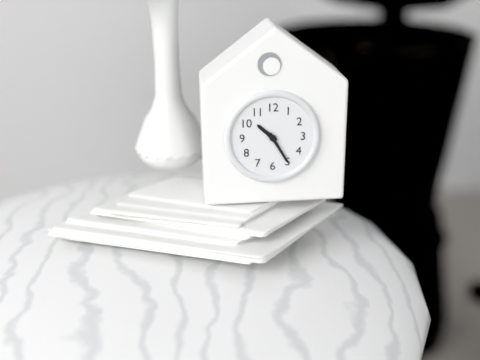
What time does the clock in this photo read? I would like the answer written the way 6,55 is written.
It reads 10,25
